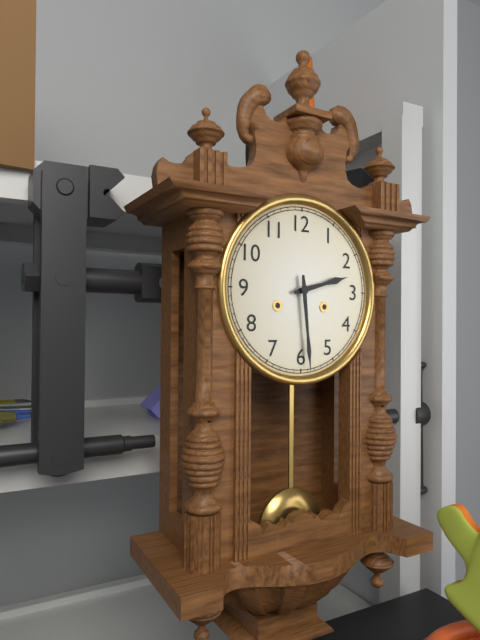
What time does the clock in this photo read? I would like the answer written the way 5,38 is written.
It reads 2,29
